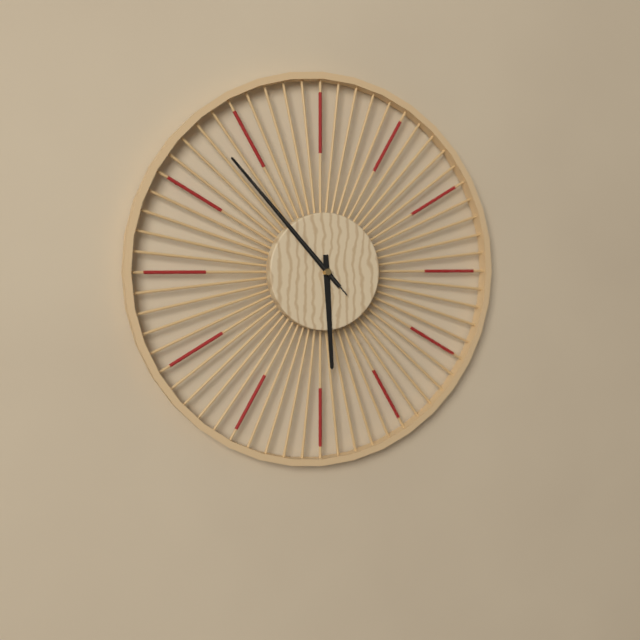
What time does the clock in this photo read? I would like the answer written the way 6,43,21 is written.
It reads 5,53,53
